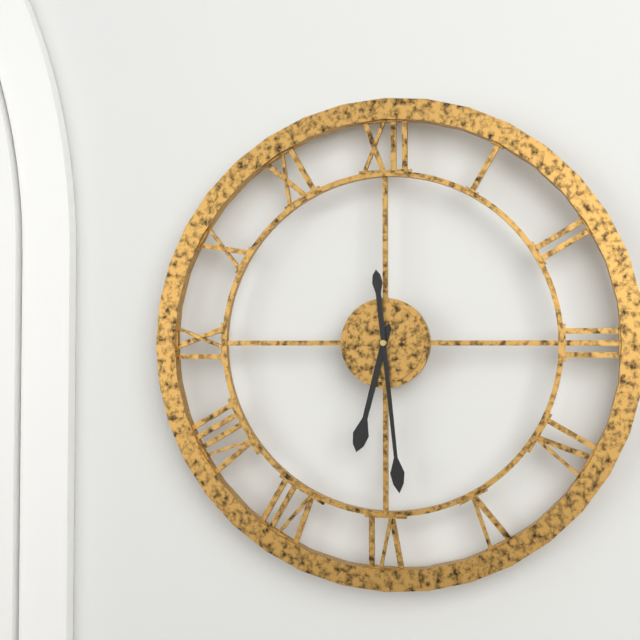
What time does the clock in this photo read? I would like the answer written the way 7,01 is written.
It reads 6,29
